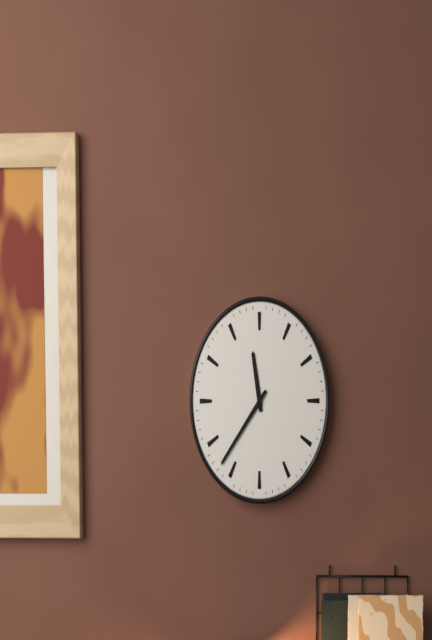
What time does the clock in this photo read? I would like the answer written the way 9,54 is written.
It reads 11,37
